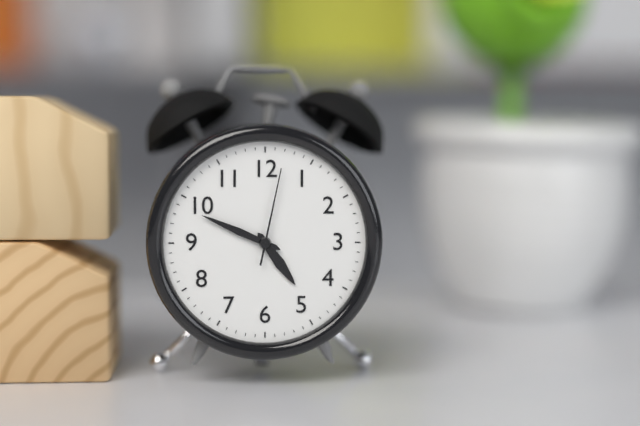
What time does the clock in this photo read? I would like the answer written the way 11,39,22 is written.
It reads 4,49,02
